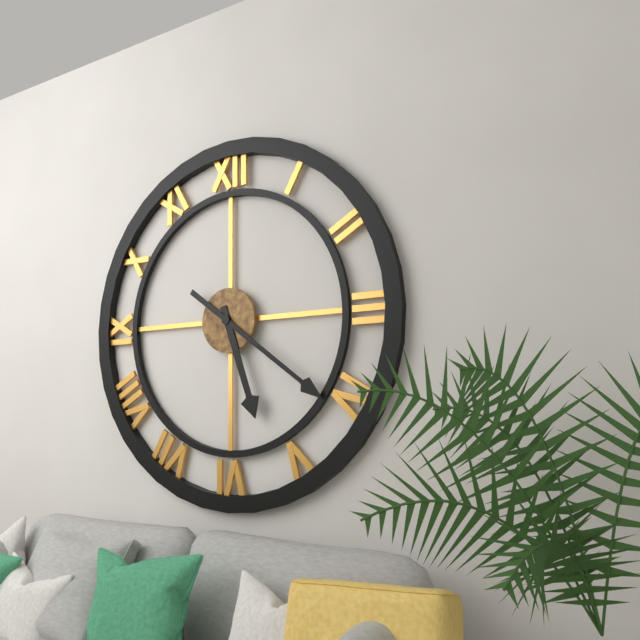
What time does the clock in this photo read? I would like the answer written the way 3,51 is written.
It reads 5,21
